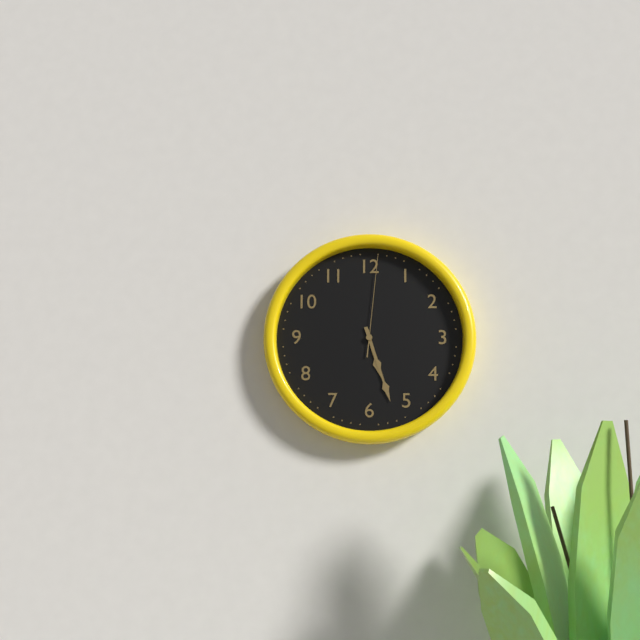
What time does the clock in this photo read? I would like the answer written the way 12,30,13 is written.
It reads 5,27,01
